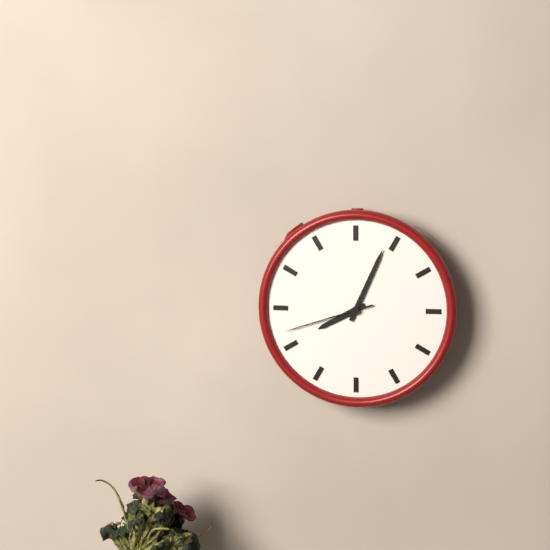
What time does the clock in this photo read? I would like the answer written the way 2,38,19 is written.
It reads 8,04,42
